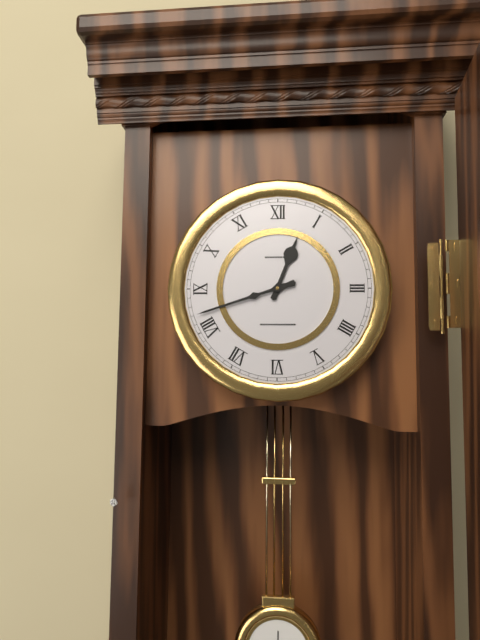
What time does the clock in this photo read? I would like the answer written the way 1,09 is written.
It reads 12,42
